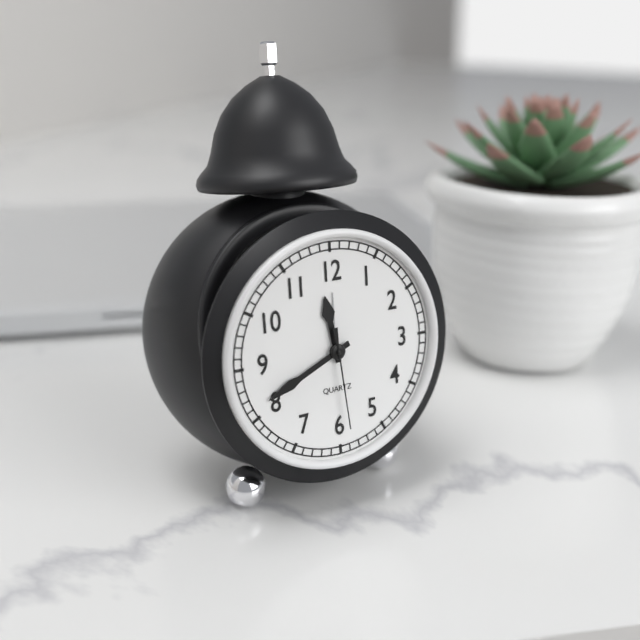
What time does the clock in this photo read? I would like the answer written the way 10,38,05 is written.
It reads 11,41,29
